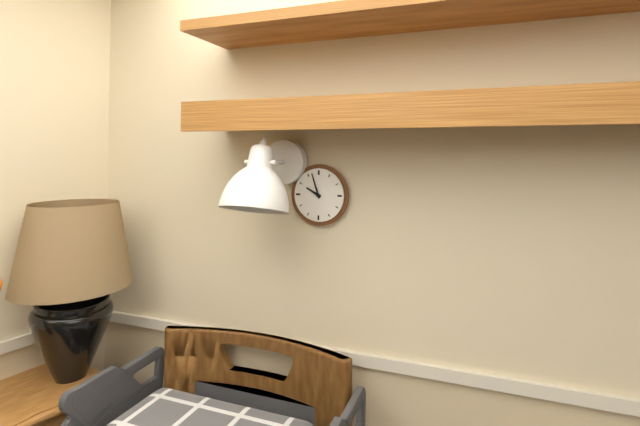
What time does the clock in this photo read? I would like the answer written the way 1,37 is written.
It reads 9,57
